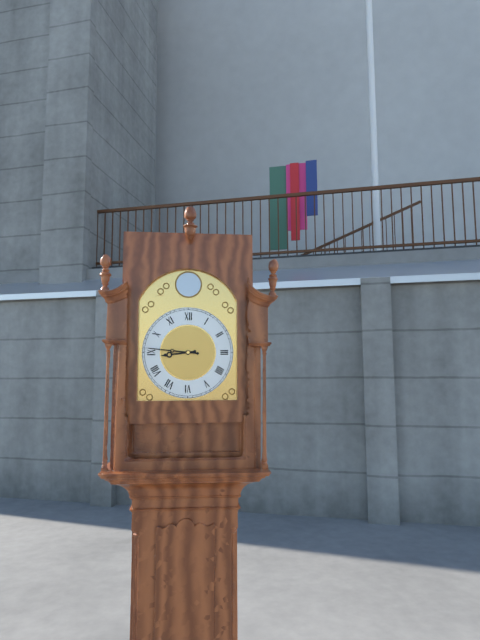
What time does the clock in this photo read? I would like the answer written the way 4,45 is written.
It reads 8,46
